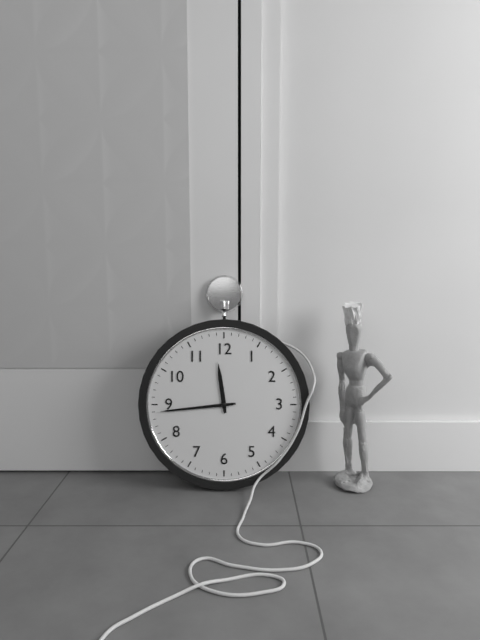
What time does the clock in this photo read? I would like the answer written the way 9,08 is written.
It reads 11,44
